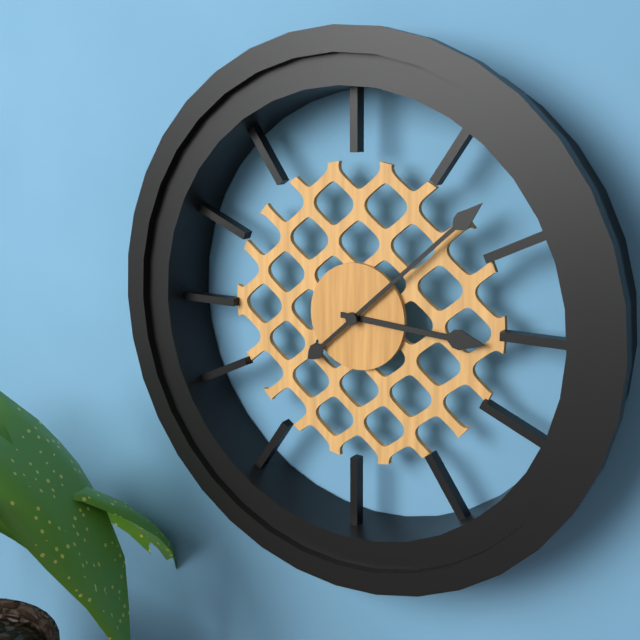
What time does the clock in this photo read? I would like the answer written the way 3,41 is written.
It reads 3,08
